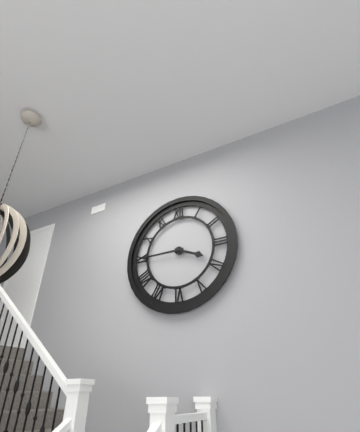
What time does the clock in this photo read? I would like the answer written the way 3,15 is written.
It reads 3,45
